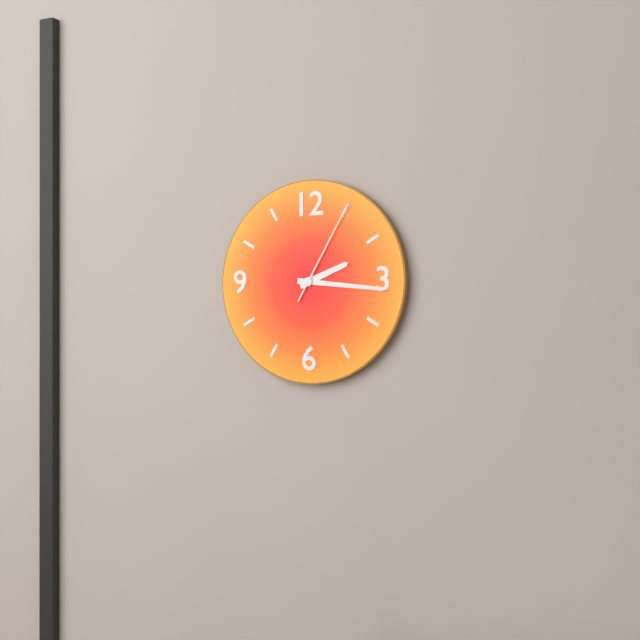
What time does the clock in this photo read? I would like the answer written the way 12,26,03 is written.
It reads 2,16,05
